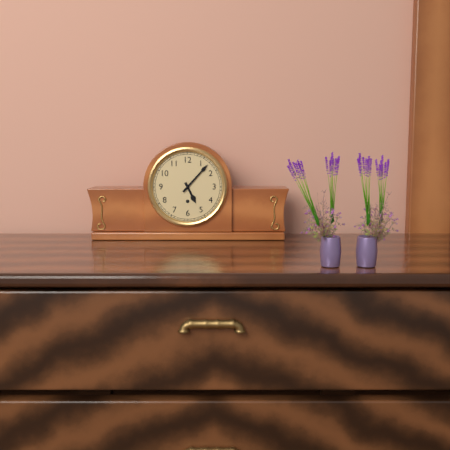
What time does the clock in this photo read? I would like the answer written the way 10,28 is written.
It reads 5,07
